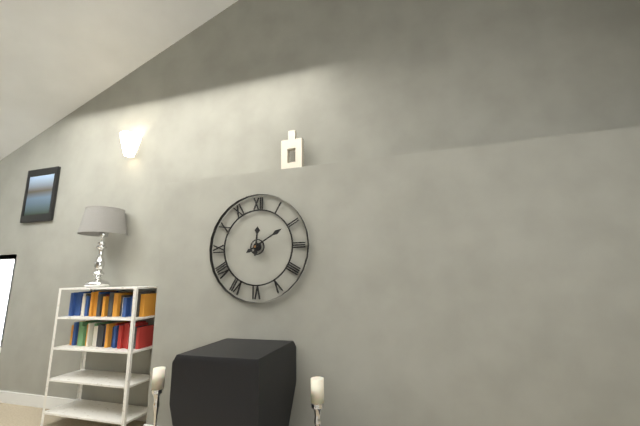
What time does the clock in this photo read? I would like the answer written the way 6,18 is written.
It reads 12,10
